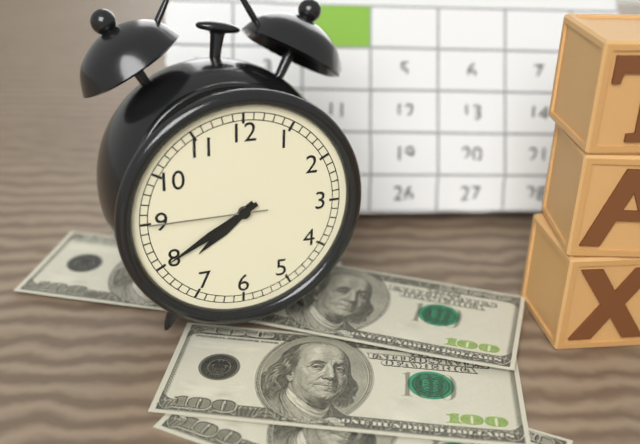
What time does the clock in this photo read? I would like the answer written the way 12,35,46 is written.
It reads 7,40,45
